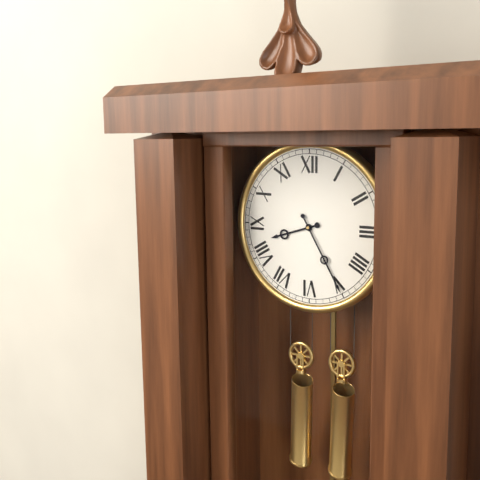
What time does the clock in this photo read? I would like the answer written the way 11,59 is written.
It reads 8,25
